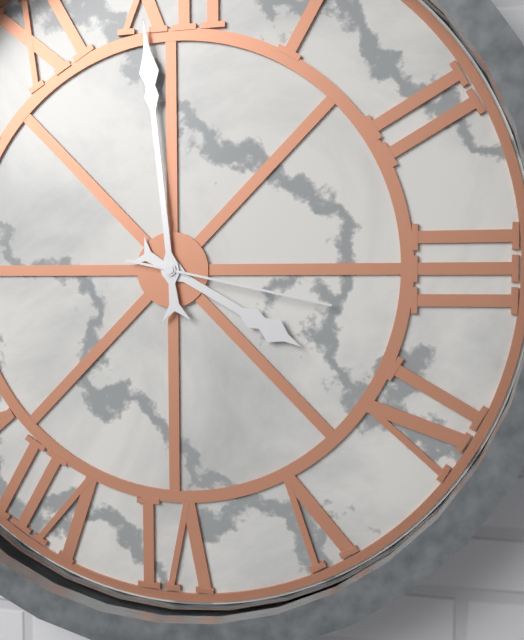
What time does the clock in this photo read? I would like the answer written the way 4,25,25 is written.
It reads 3,59,17
